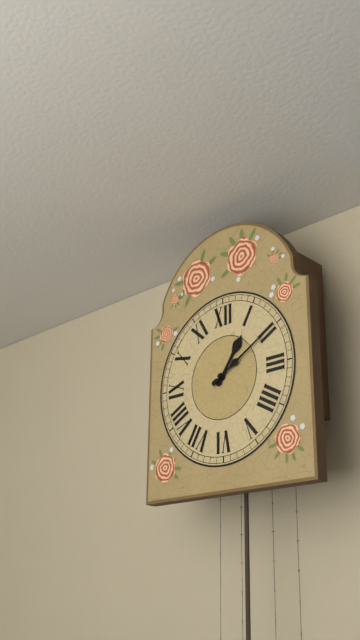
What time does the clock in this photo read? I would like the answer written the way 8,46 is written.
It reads 1,10
